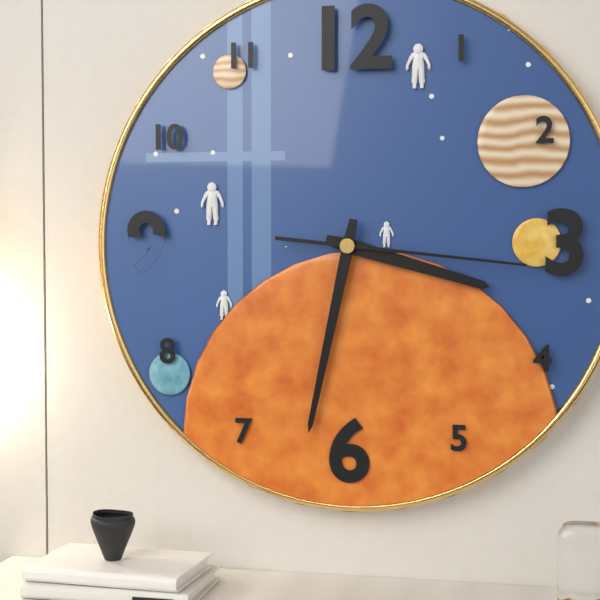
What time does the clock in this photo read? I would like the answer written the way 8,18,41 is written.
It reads 3,32,16
